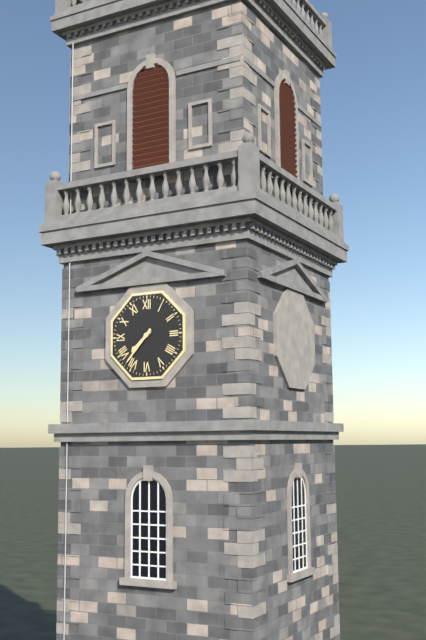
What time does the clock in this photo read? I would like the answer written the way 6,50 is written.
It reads 7,37
